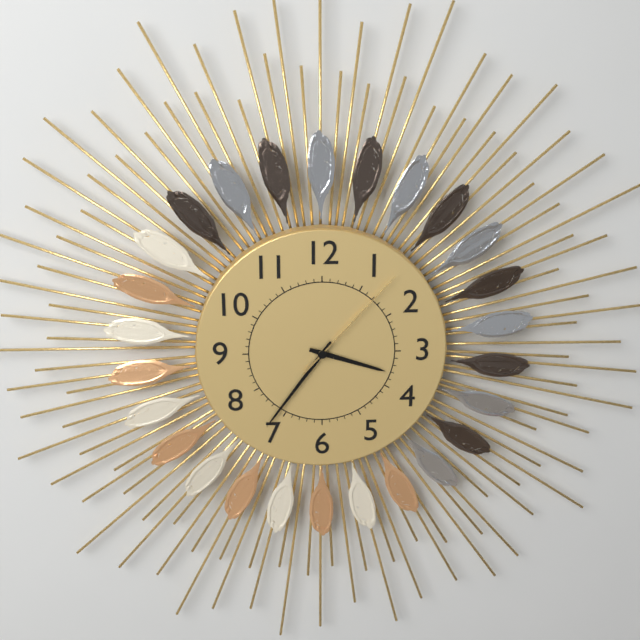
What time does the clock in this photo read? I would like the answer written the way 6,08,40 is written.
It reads 3,36,07
